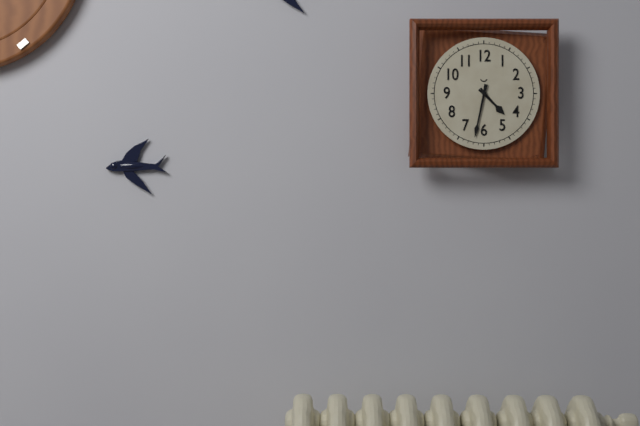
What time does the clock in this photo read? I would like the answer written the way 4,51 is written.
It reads 4,32
